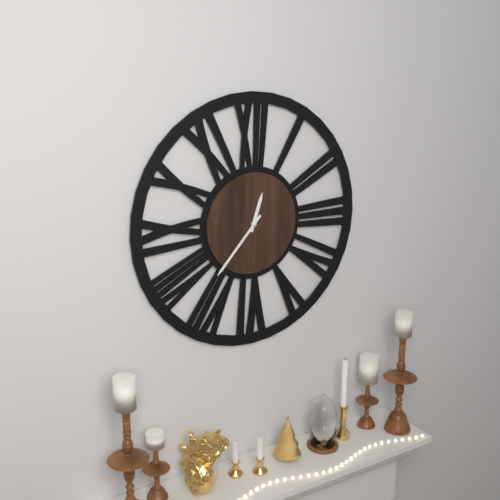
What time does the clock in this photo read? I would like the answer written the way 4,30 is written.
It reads 12,37
